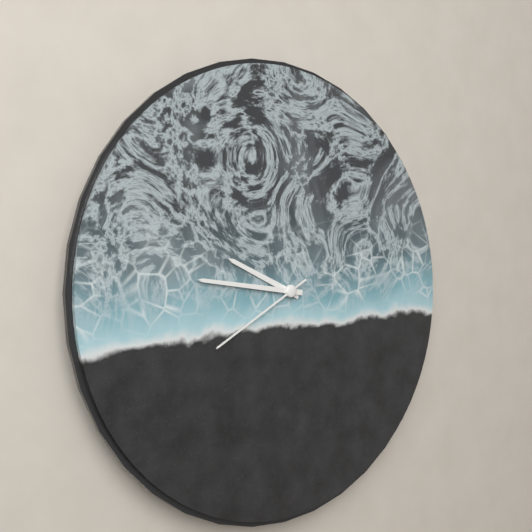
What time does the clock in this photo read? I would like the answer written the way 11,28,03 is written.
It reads 9,46,40
